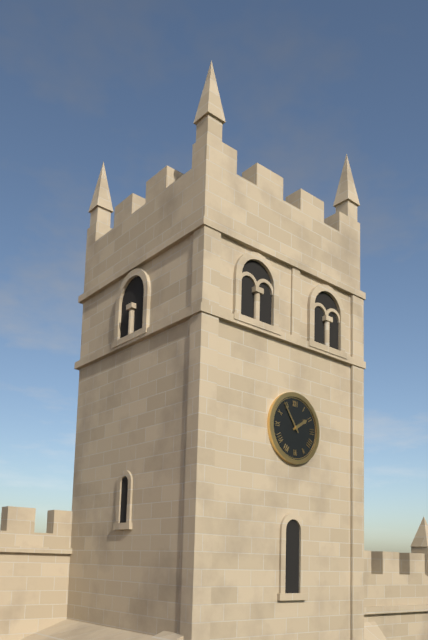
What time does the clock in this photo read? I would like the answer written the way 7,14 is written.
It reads 1,54
